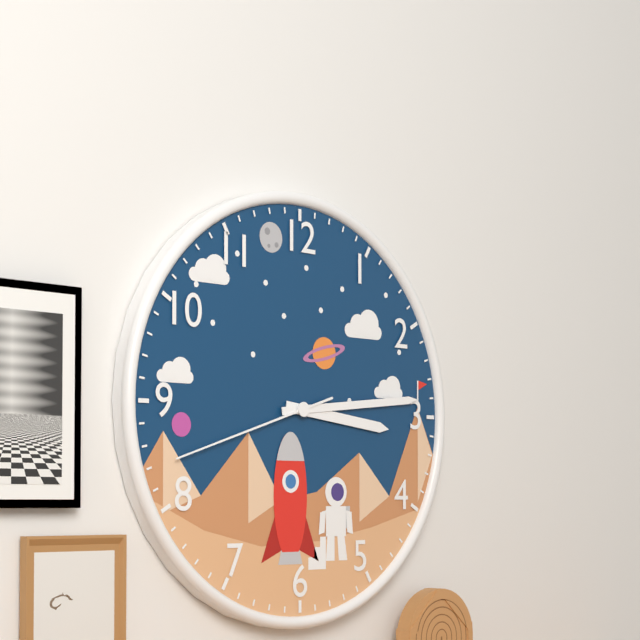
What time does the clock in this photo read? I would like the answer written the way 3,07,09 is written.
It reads 3,14,42
